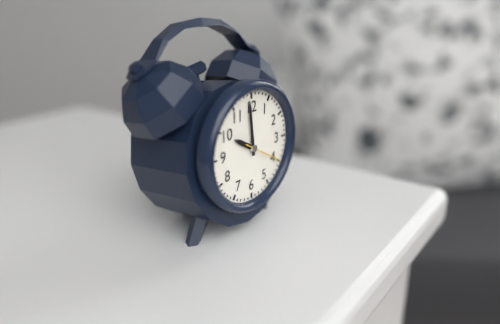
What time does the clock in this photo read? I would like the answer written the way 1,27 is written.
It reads 9,59
